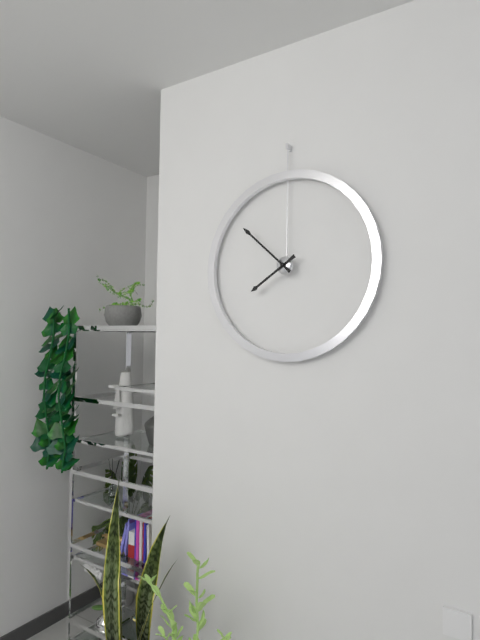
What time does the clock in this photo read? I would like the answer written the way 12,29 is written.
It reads 7,52
